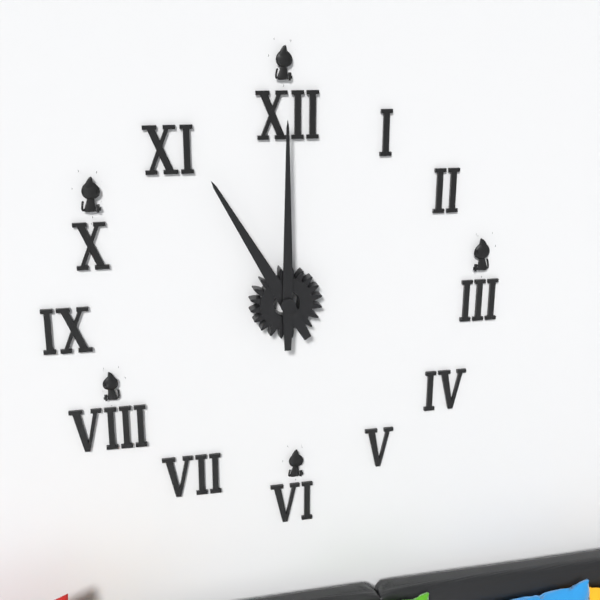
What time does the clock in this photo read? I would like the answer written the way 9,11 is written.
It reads 11,00
